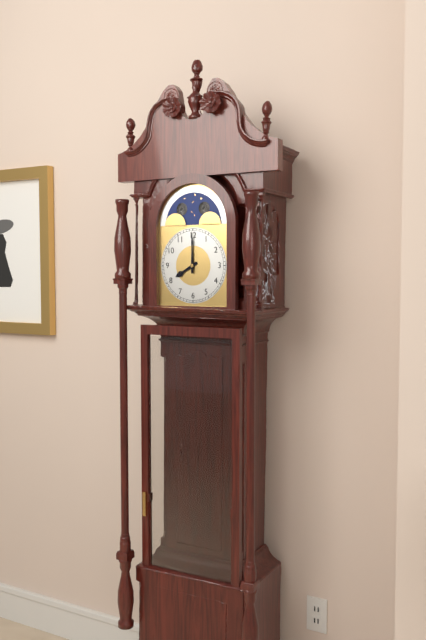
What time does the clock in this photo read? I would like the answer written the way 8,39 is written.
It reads 8,00
